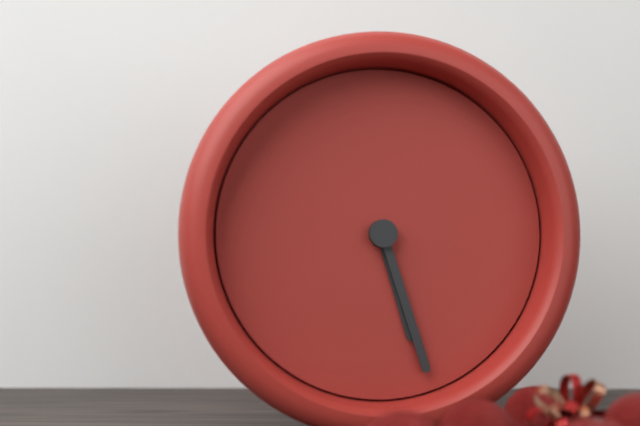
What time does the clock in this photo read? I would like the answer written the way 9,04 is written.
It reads 5,27
